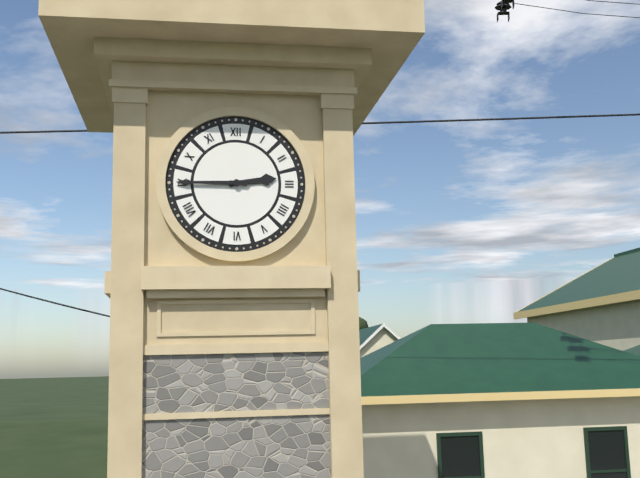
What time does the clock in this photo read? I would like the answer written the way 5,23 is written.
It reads 2,45
